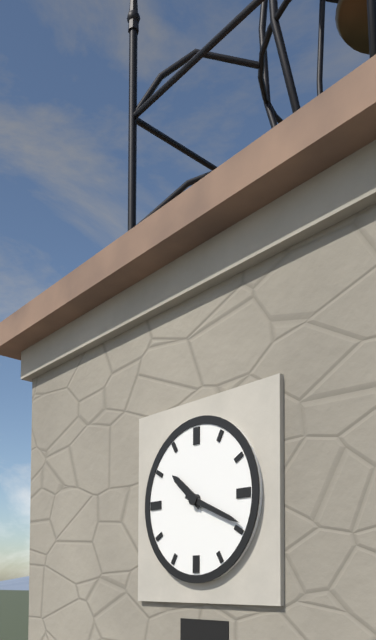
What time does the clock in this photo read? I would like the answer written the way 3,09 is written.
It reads 10,19
